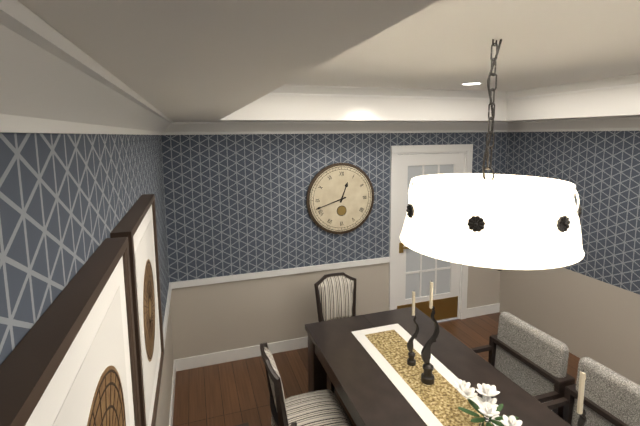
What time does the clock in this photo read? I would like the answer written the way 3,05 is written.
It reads 12,42
